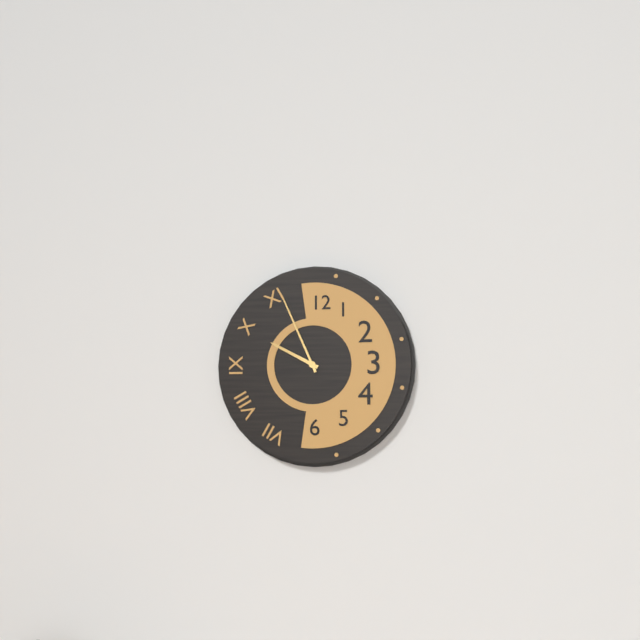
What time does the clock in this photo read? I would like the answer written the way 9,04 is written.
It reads 9,56
